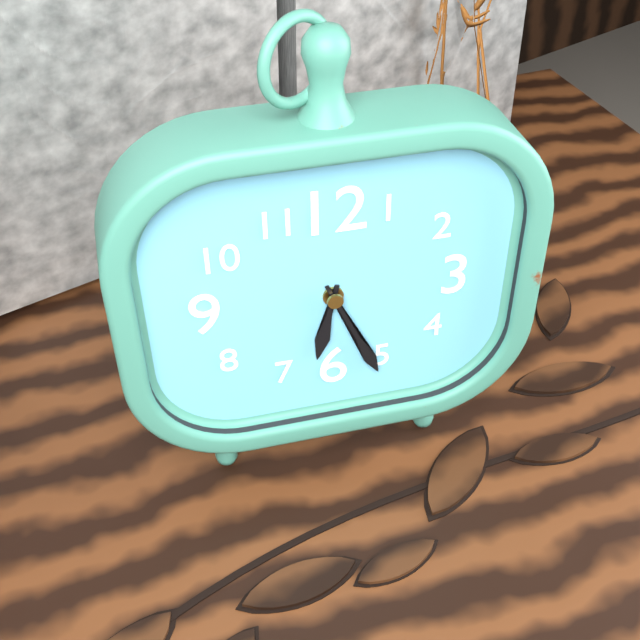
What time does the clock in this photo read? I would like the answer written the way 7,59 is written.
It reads 6,26
